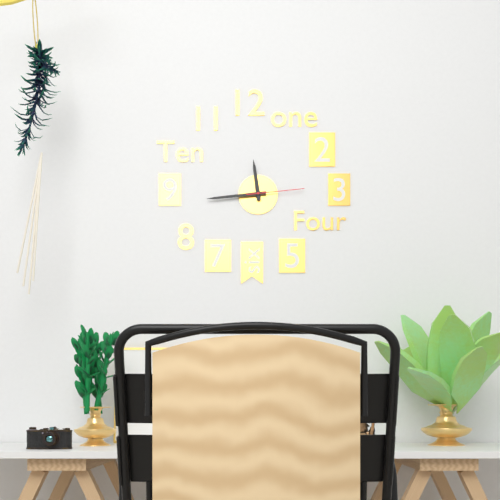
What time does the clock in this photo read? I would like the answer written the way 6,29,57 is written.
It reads 11,44,14
